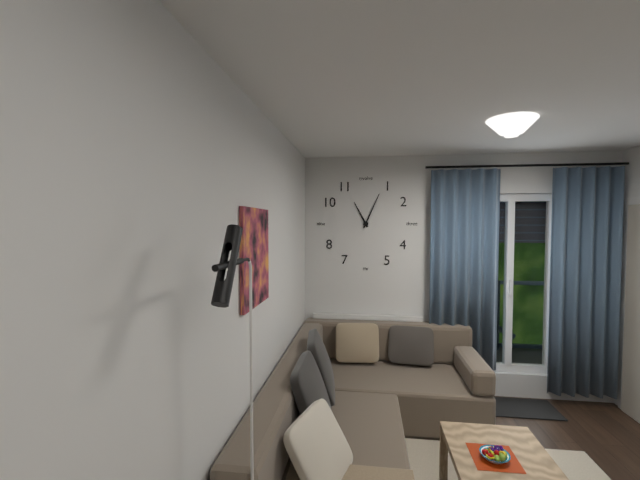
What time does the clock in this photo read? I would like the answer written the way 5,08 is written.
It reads 11,04
